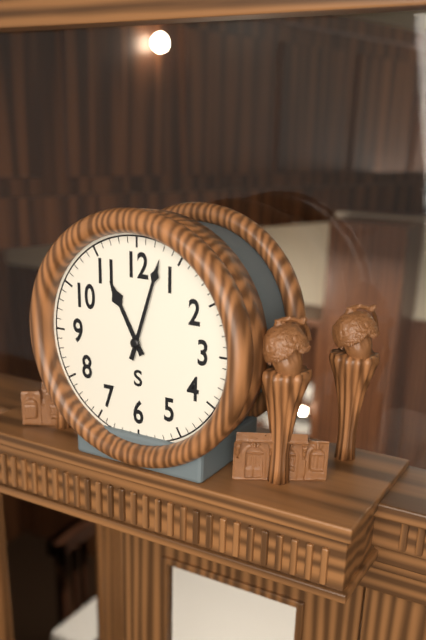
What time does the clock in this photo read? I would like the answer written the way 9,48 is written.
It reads 11,03
